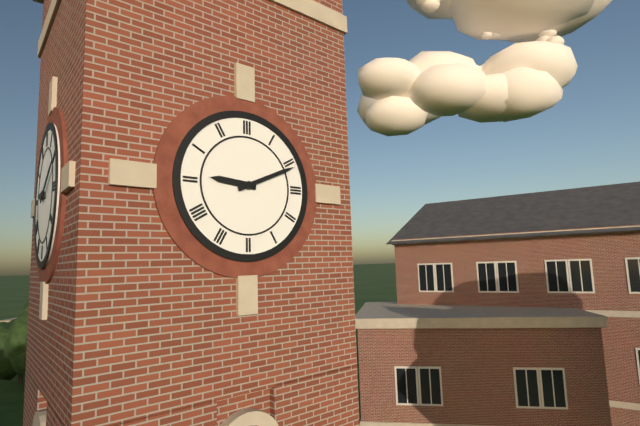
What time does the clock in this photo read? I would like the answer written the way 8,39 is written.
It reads 9,11
